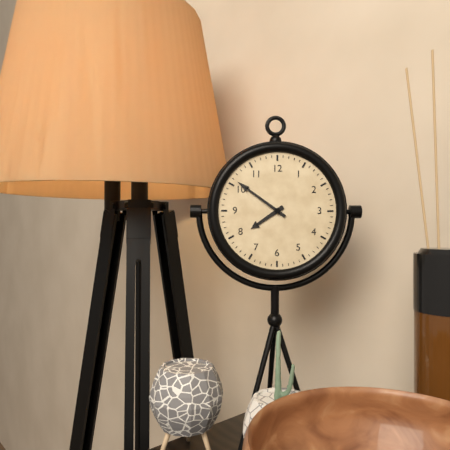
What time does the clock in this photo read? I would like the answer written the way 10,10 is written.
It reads 7,51
